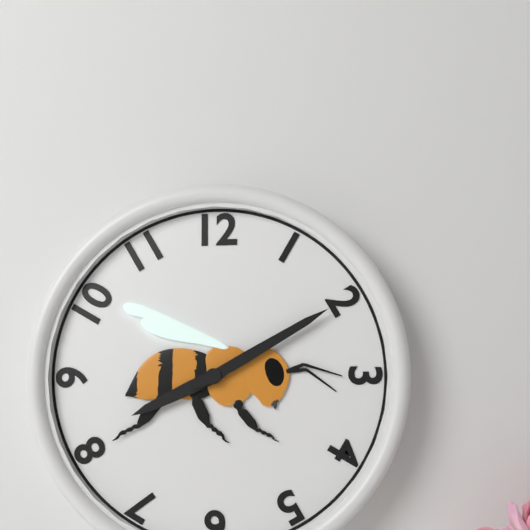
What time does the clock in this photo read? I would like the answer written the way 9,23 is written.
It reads 8,10
